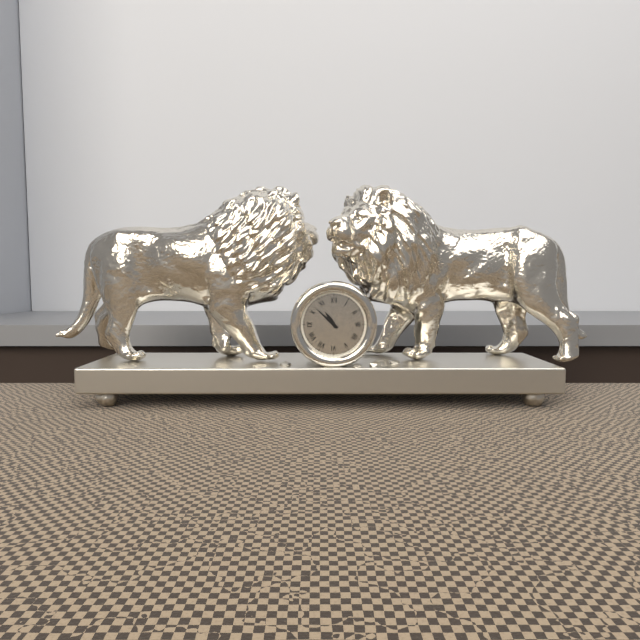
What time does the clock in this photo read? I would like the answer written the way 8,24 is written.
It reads 10,52
